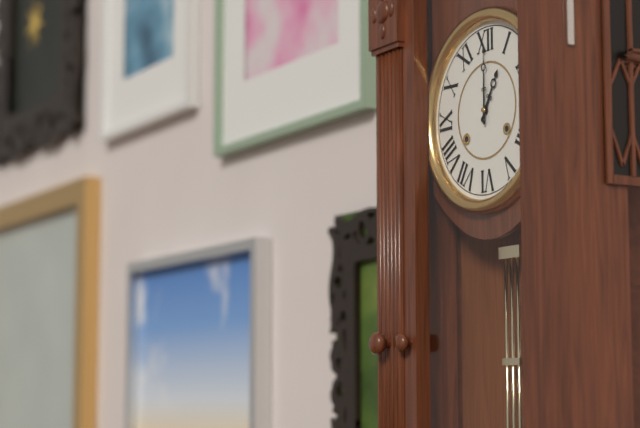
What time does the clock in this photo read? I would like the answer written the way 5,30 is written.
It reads 1,00
